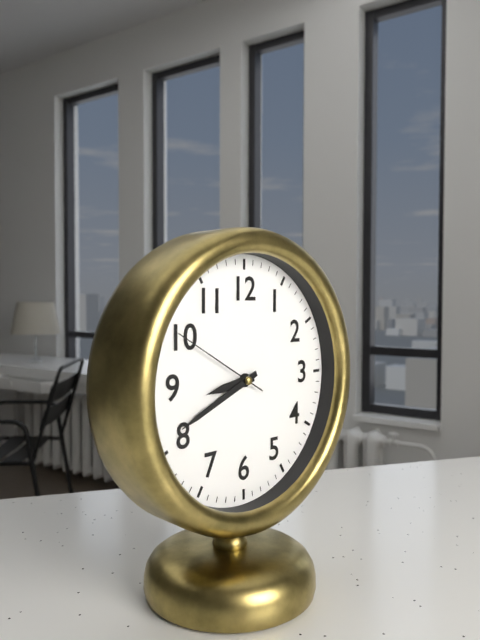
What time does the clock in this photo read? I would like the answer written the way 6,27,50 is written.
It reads 8,41,50
